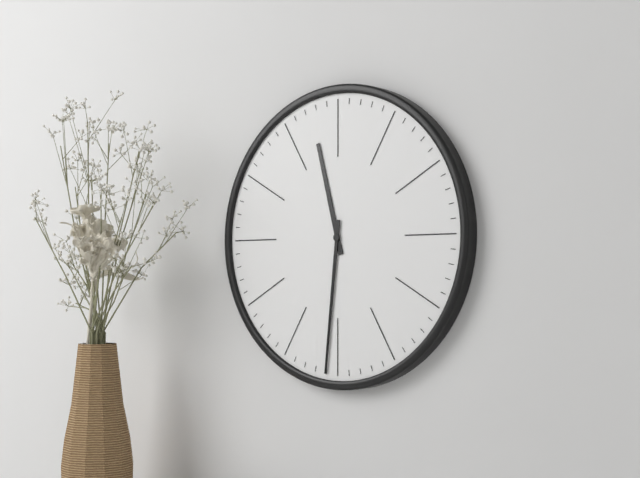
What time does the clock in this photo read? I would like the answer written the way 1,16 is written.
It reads 11,31
